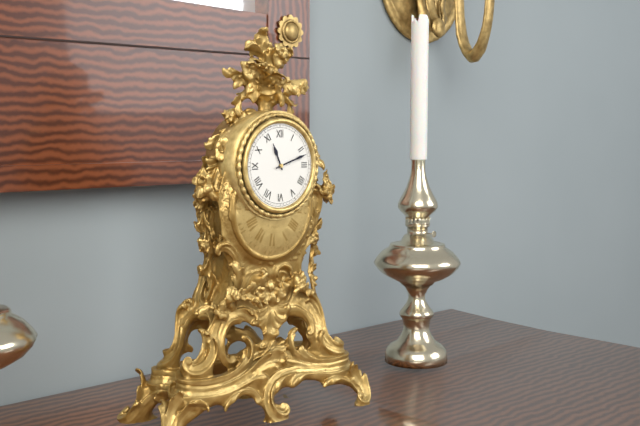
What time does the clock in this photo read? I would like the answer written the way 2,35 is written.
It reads 11,12
